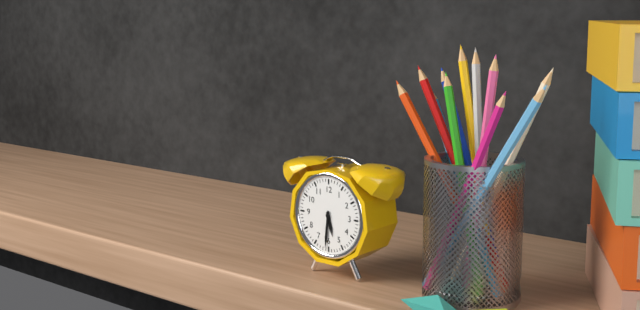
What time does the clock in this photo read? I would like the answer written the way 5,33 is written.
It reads 5,31
